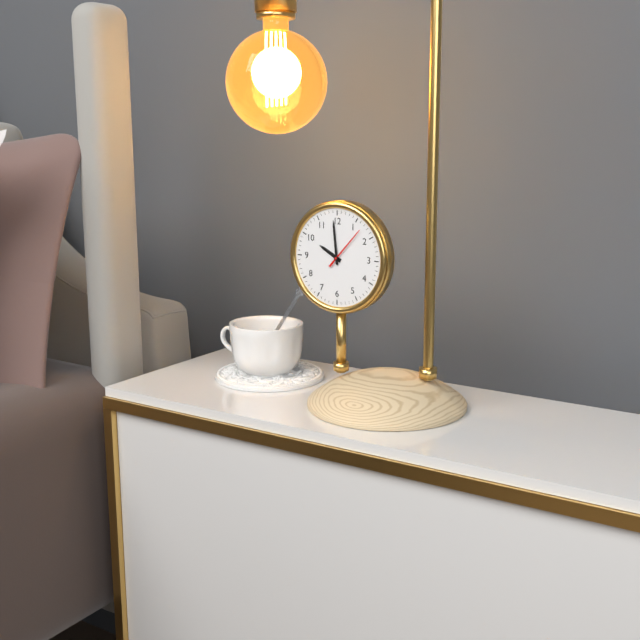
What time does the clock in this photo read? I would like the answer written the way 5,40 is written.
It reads 9,59
